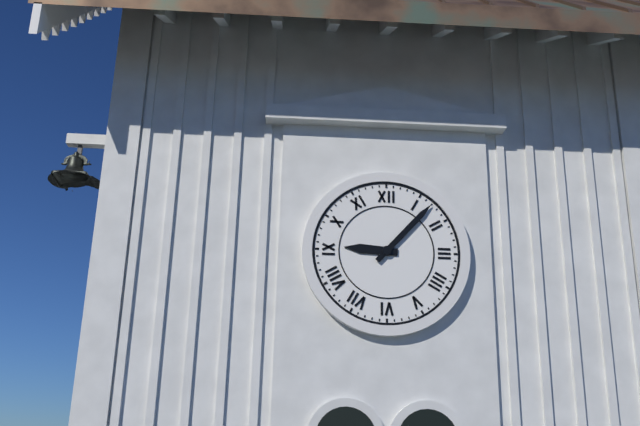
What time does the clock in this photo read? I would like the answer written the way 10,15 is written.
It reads 9,07
